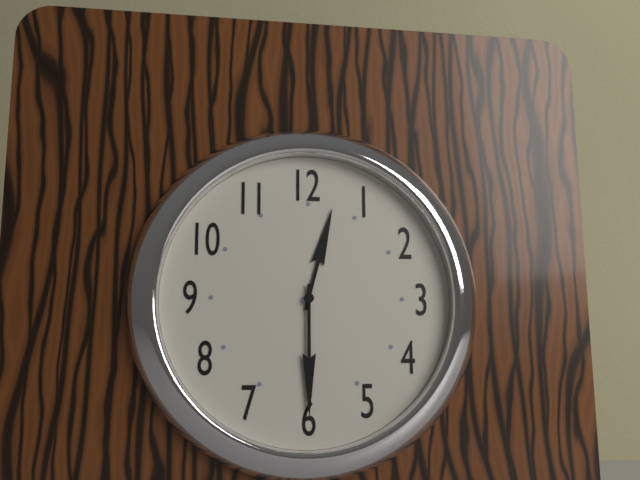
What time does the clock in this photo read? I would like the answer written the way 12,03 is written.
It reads 12,30
